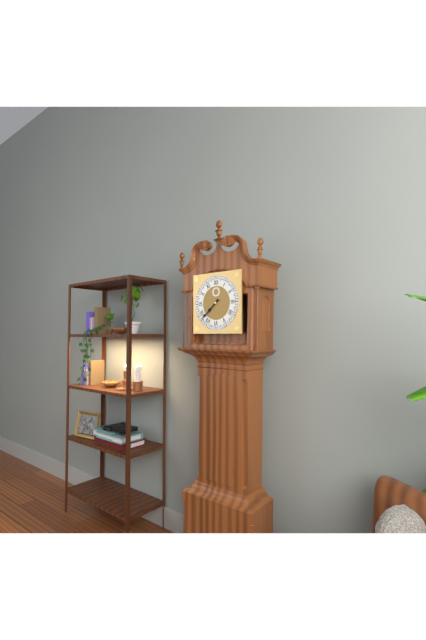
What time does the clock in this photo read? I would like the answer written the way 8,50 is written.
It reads 7,38
